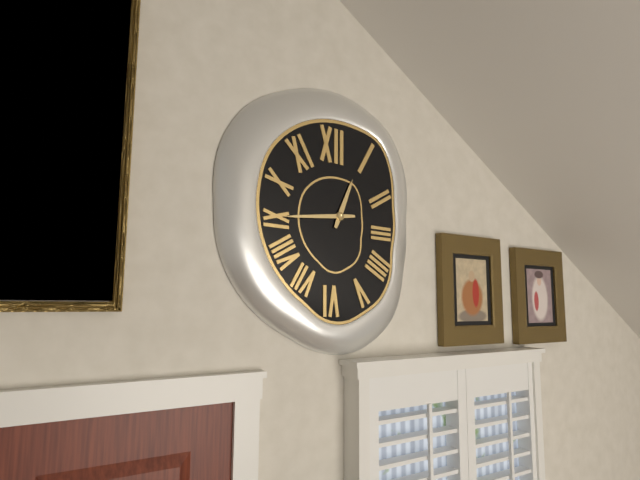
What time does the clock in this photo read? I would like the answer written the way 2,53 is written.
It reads 12,44
